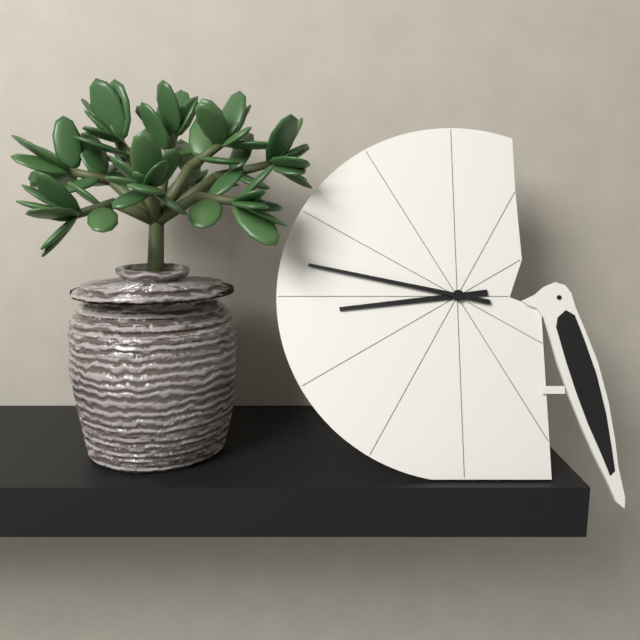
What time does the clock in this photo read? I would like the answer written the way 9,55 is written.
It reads 8,47
